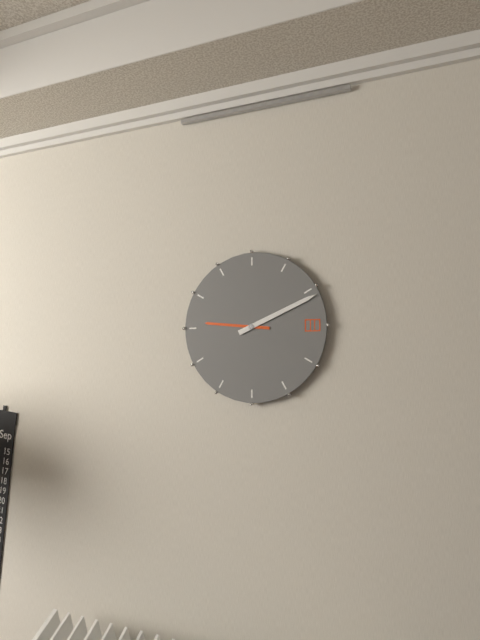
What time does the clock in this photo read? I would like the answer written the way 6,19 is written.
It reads 9,11
